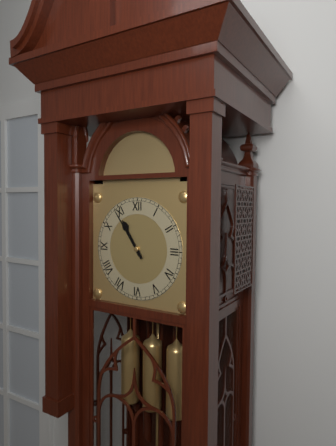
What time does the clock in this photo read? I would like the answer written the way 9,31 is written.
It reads 10,54
